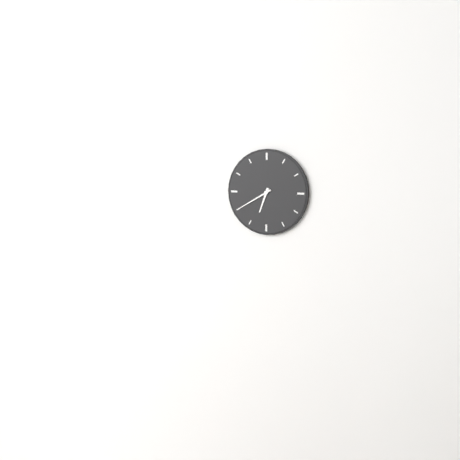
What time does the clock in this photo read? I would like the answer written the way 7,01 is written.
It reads 6,40
